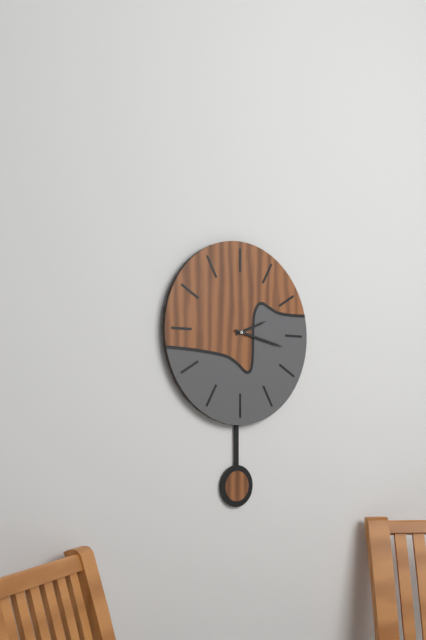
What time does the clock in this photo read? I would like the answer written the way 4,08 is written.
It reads 2,17
